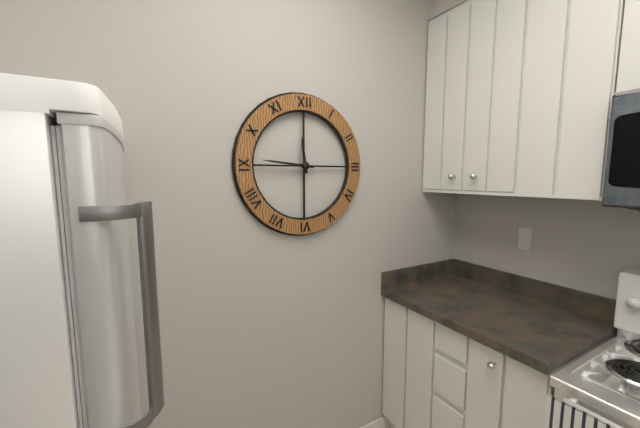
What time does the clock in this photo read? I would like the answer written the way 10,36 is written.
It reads 11,46
